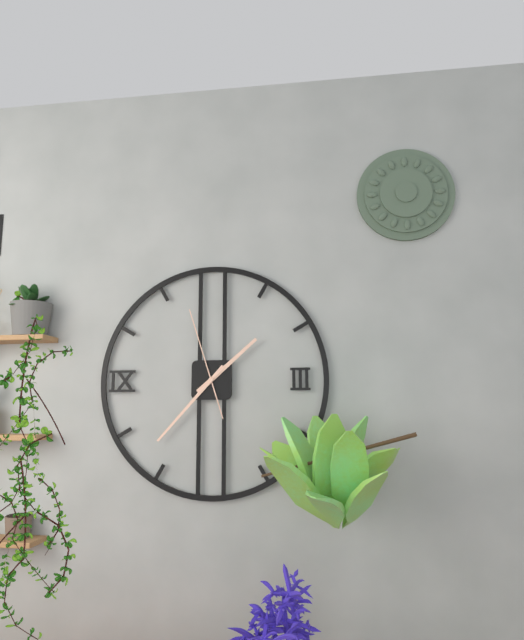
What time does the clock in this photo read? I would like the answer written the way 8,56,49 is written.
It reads 1,37,57
